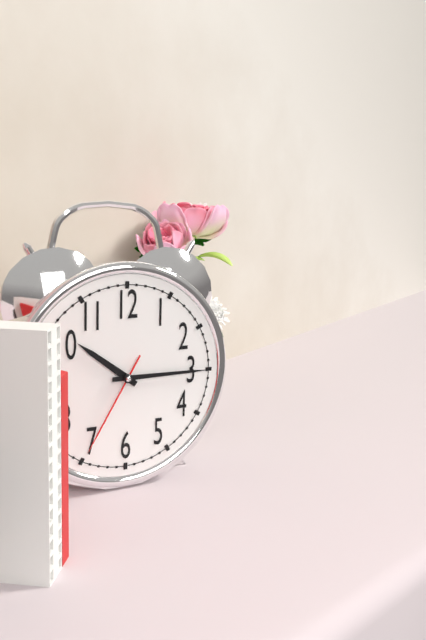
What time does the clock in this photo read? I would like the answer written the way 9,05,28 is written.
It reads 10,15,35
